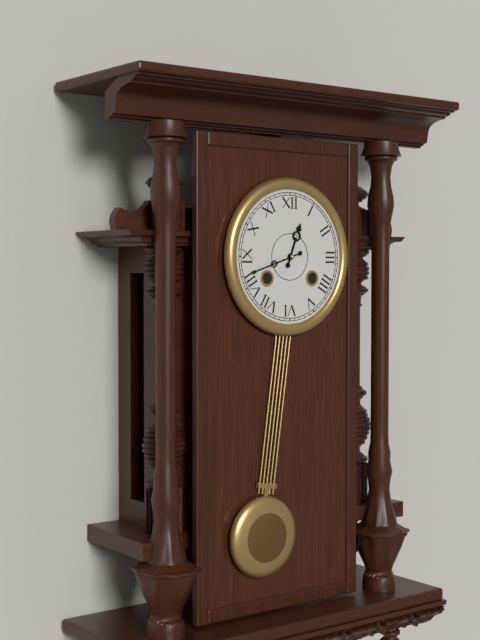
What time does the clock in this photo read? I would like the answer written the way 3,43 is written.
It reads 12,42
